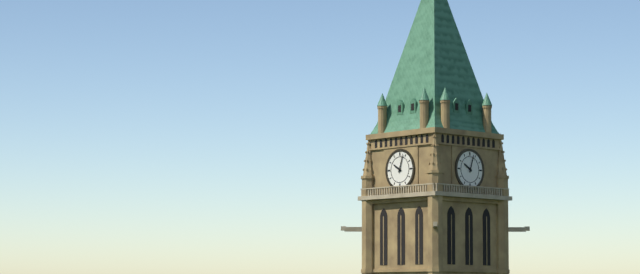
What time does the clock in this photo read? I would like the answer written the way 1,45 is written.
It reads 10,03
